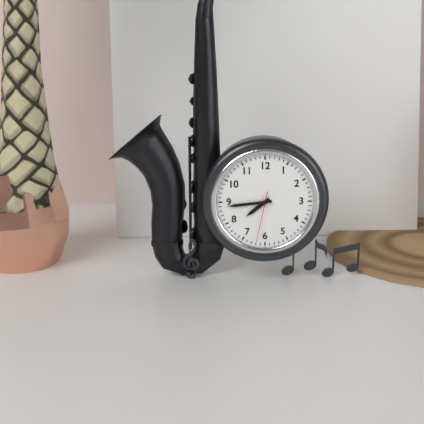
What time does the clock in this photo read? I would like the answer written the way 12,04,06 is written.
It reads 7,44,32
